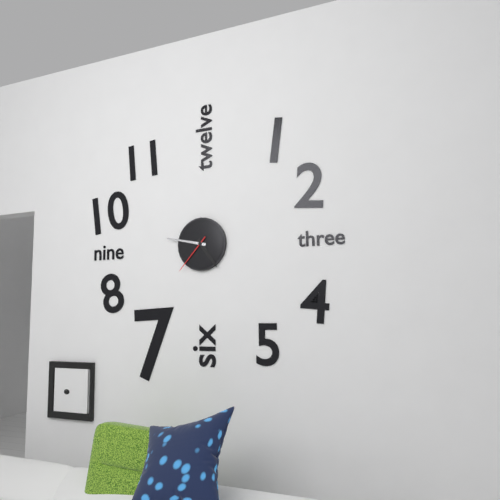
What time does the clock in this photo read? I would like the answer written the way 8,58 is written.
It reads 4,47
